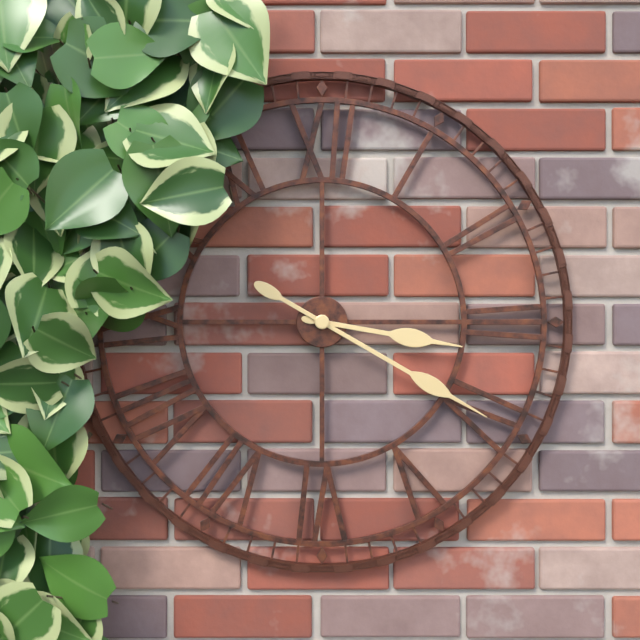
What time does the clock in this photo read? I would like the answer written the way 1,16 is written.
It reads 3,20
